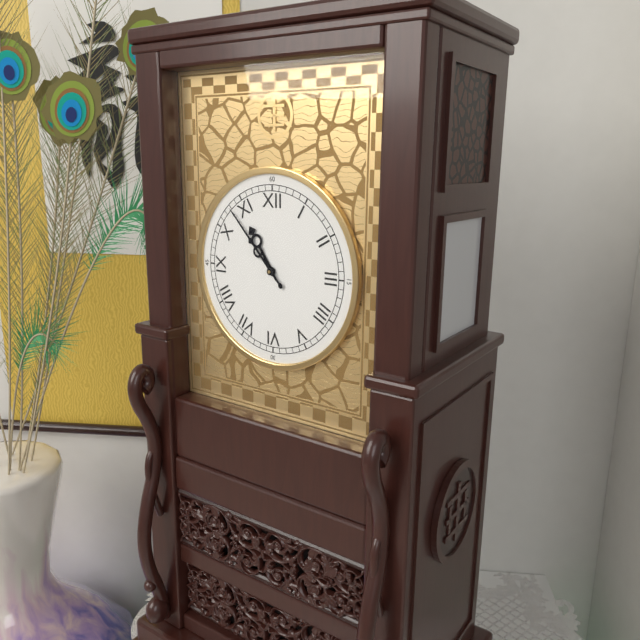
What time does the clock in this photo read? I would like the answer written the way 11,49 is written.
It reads 10,53
